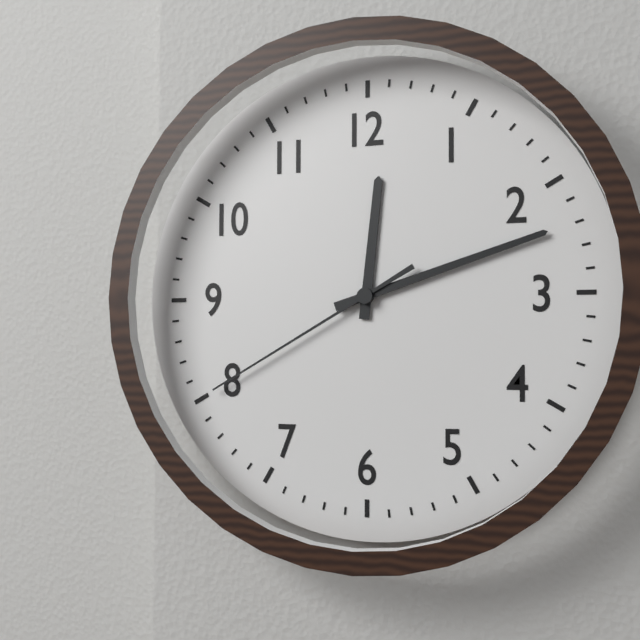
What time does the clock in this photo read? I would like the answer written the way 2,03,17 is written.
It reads 12,12,40
